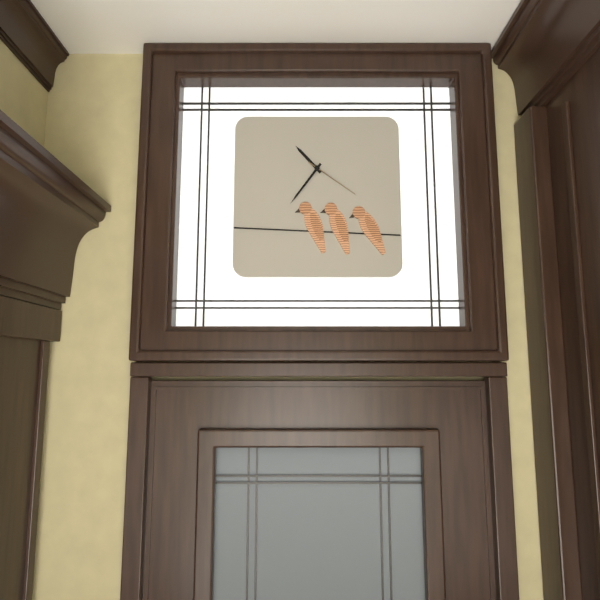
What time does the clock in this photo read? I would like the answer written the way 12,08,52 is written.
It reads 10,36,21
